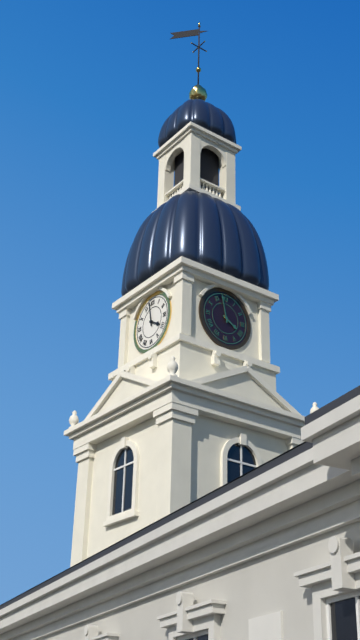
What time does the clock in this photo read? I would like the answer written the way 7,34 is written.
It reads 3,58
